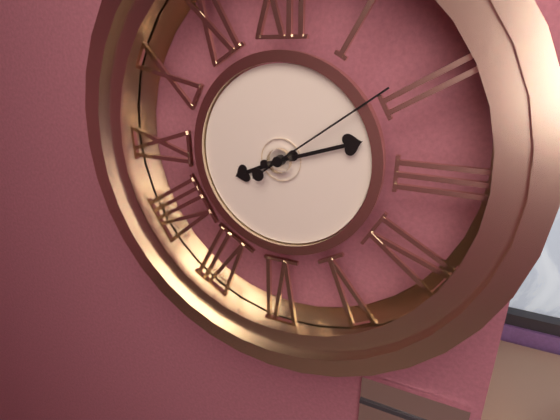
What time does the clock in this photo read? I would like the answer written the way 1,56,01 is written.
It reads 8,12,09
